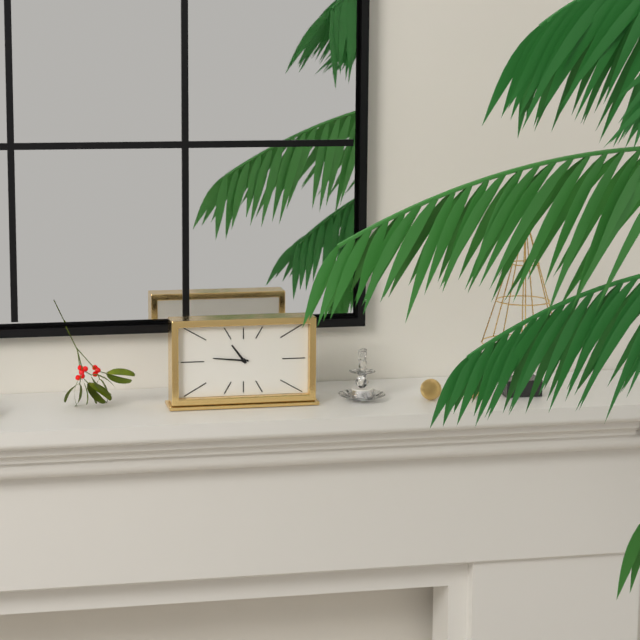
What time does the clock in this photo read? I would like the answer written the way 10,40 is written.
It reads 10,46
